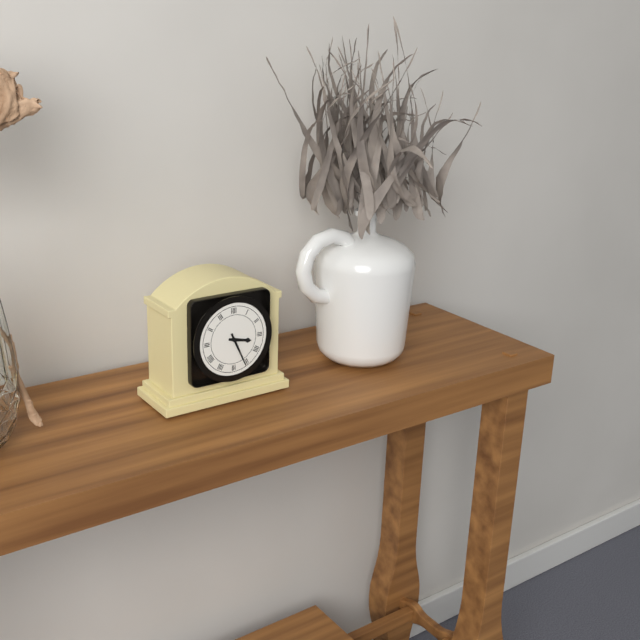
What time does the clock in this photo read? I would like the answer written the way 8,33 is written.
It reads 3,26
